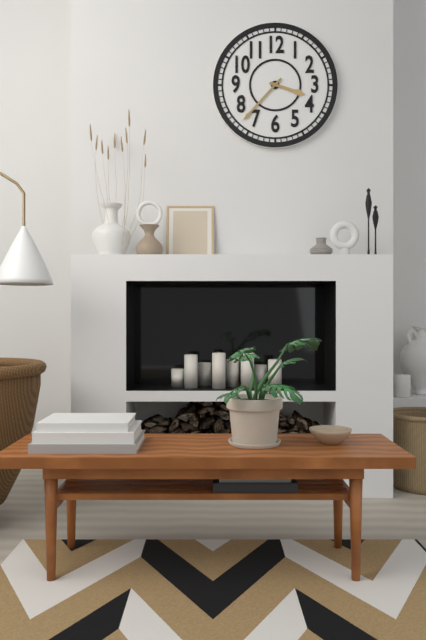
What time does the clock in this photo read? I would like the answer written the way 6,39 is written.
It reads 3,37
